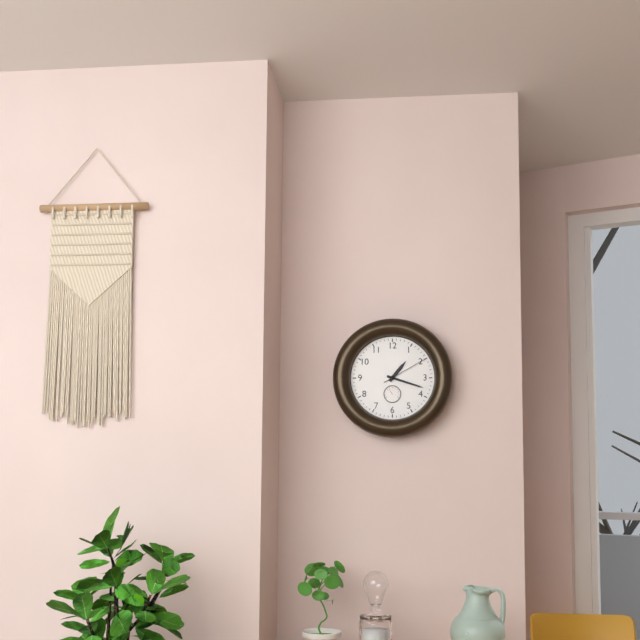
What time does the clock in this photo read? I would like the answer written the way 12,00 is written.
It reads 1,18
